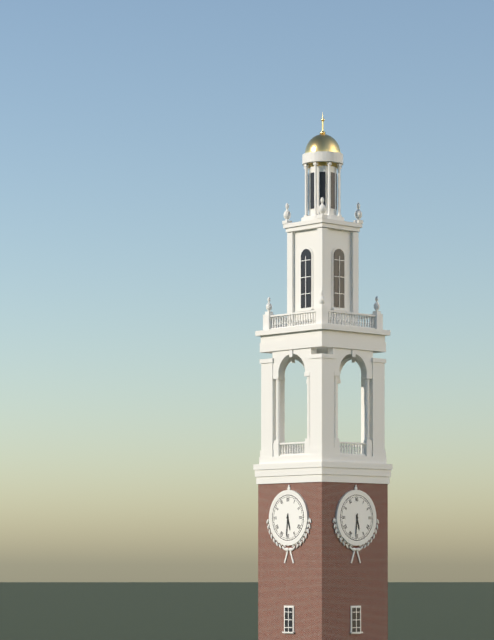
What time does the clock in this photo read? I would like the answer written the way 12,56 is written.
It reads 5,31
